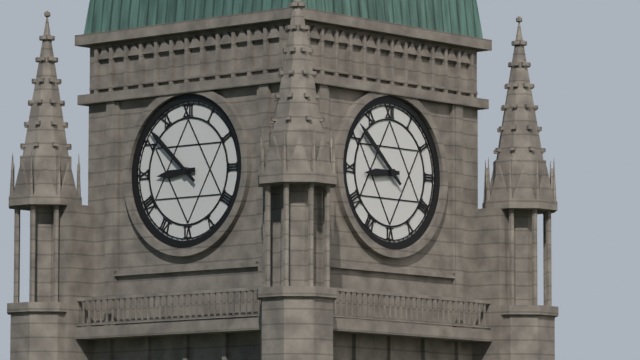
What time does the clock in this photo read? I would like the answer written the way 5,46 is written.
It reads 8,52
